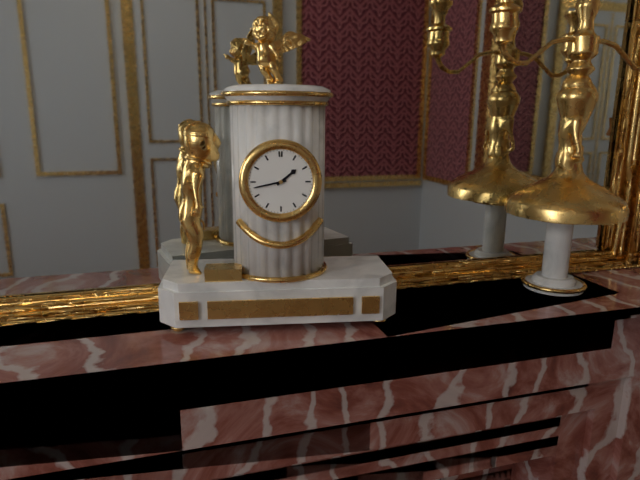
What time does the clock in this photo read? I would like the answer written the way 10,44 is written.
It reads 1,43
